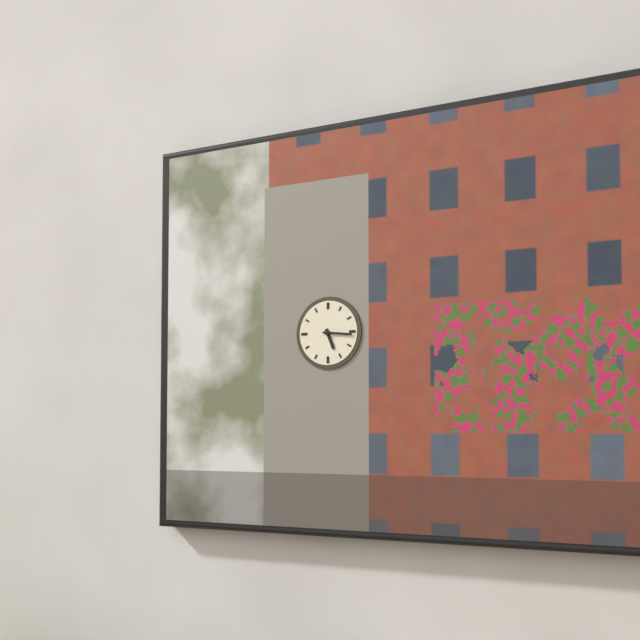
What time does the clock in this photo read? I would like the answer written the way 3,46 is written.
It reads 5,16
